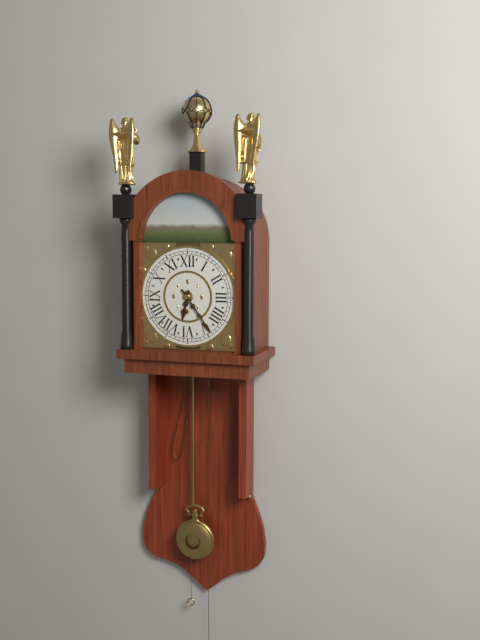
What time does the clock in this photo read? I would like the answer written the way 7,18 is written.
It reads 6,24
